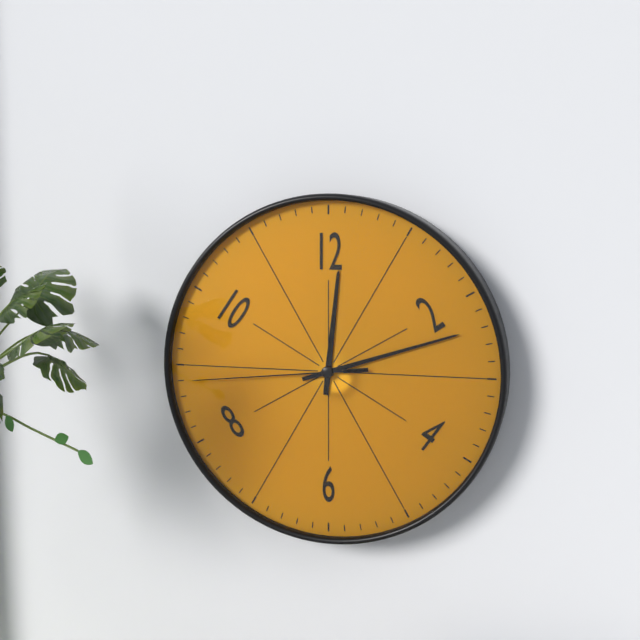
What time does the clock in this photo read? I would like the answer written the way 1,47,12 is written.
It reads 12,12,44
